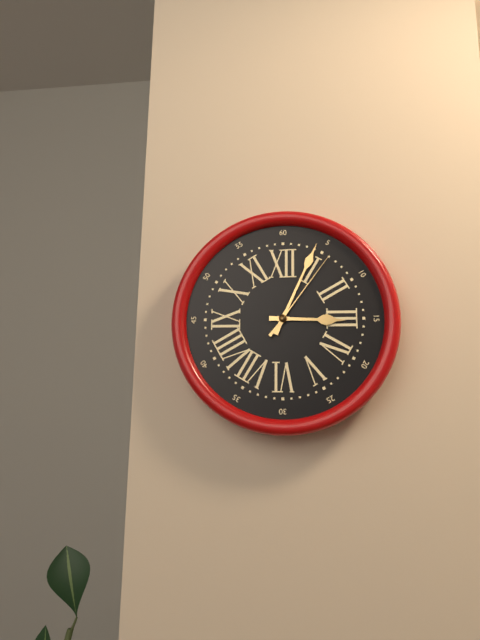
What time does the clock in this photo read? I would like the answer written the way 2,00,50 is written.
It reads 3,04,06
